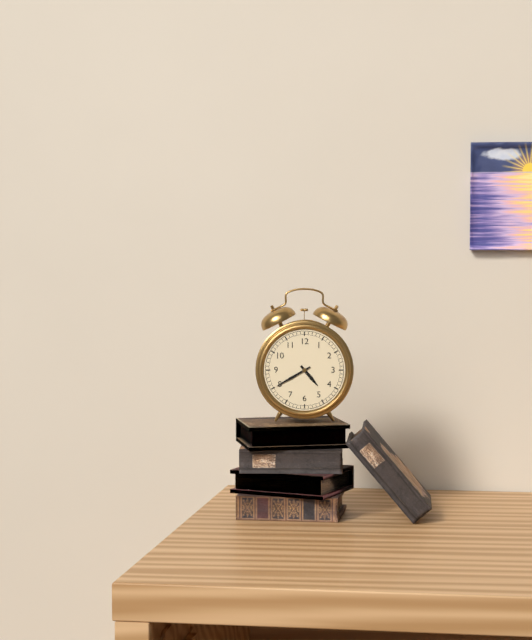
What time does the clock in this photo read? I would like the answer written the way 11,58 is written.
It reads 4,40
